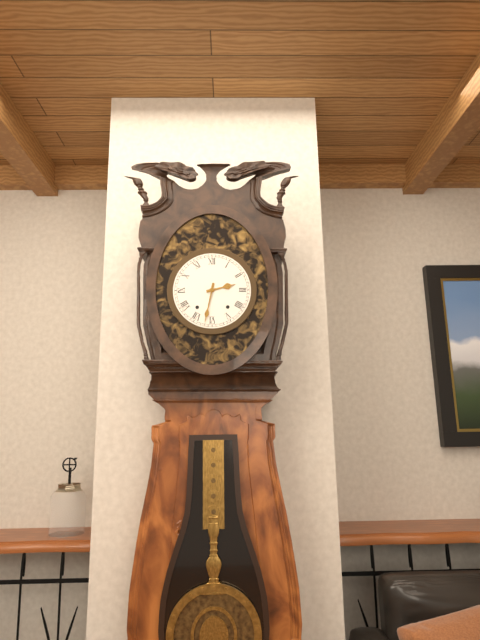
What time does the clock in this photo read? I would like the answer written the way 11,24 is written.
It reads 2,32
